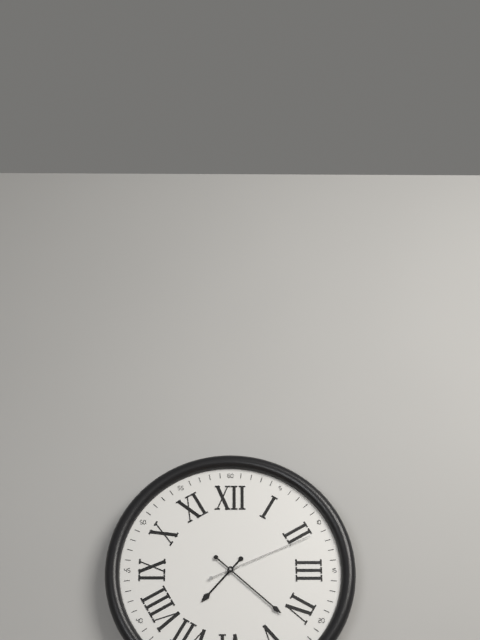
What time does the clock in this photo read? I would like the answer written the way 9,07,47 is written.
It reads 7,22,11
